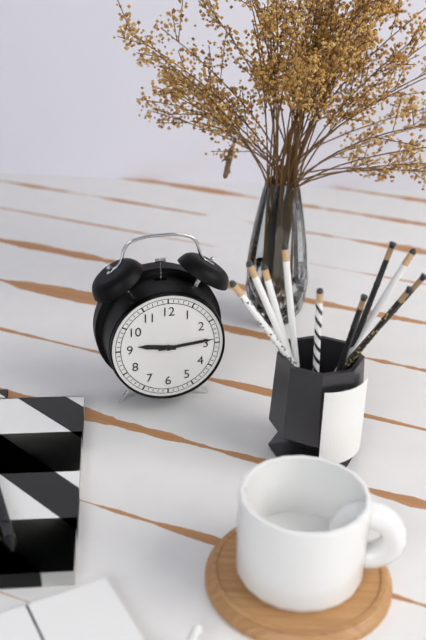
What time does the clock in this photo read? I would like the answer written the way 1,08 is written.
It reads 9,14
